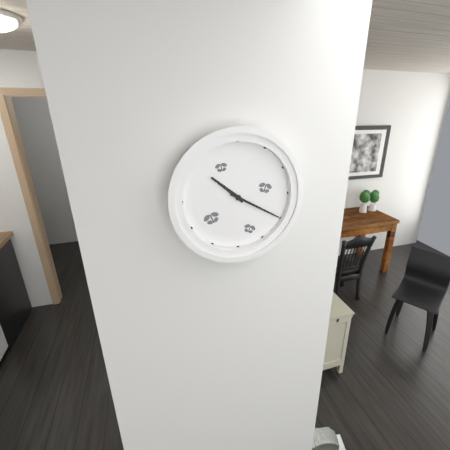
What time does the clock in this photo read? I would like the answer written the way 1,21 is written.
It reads 10,20
